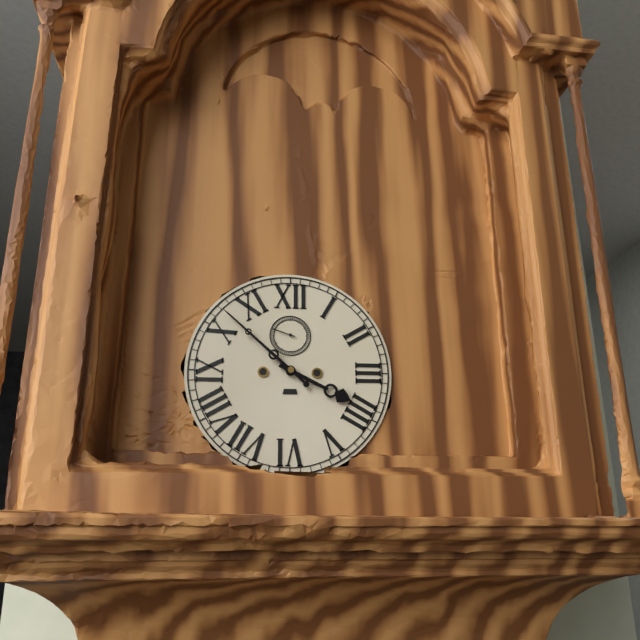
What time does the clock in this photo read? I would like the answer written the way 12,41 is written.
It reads 3,52
